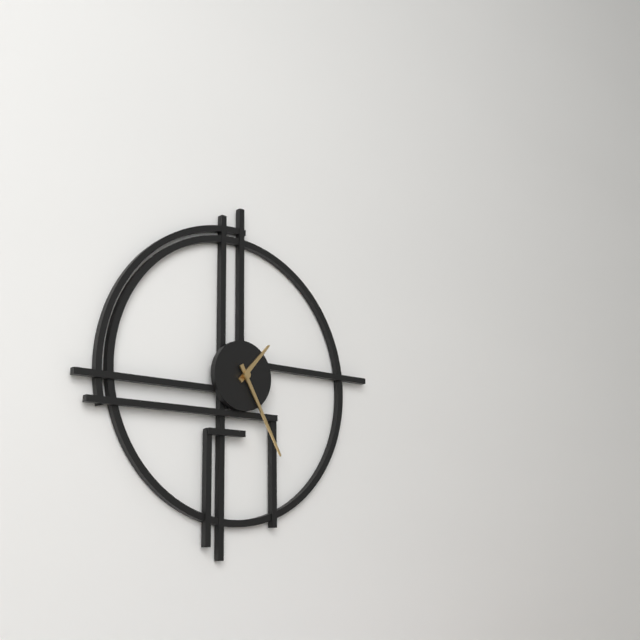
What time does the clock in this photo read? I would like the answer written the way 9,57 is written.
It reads 1,25
